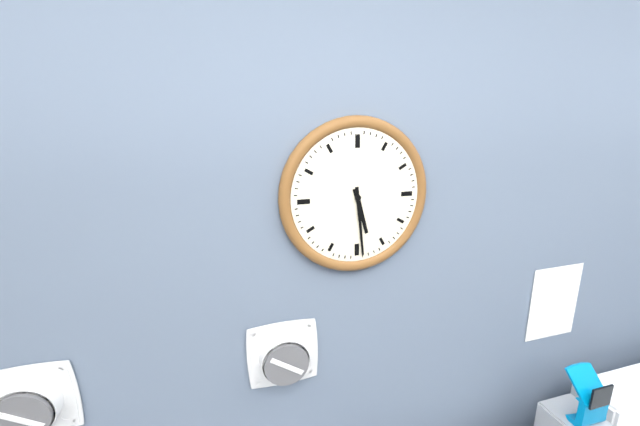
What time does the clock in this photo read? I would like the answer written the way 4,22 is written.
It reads 5,29
